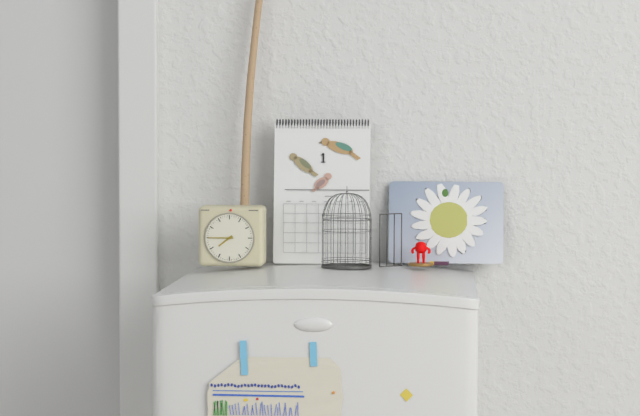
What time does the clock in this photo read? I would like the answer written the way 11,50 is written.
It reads 7,45
